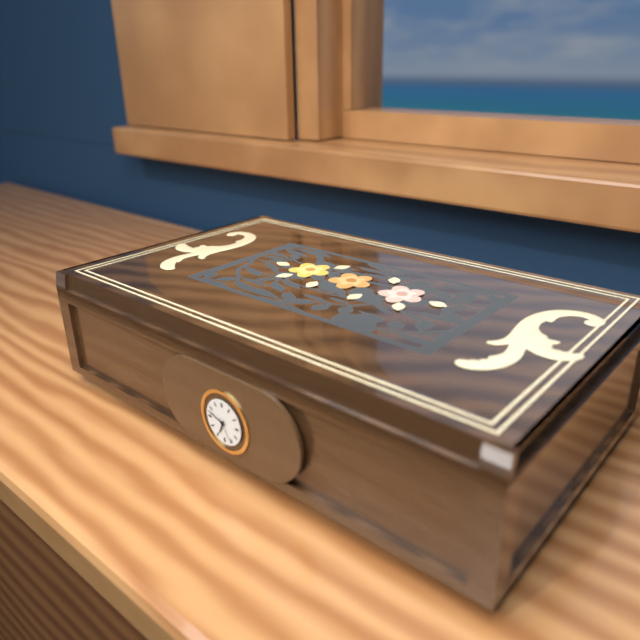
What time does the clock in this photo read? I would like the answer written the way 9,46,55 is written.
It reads 6,48,25
